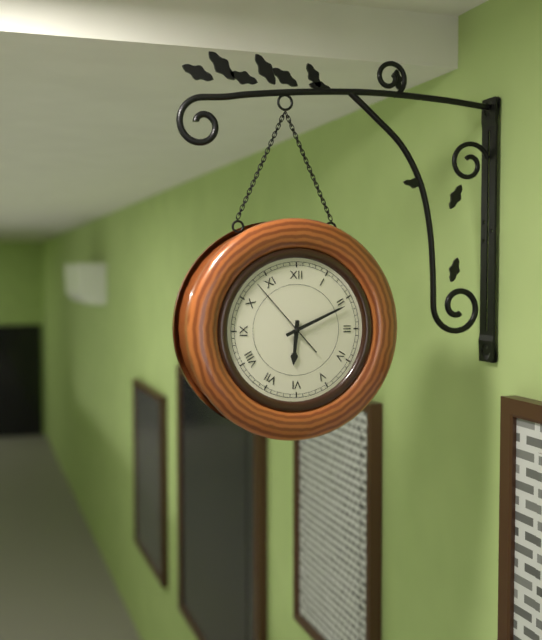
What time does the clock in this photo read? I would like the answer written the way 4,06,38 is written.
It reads 6,11,53
